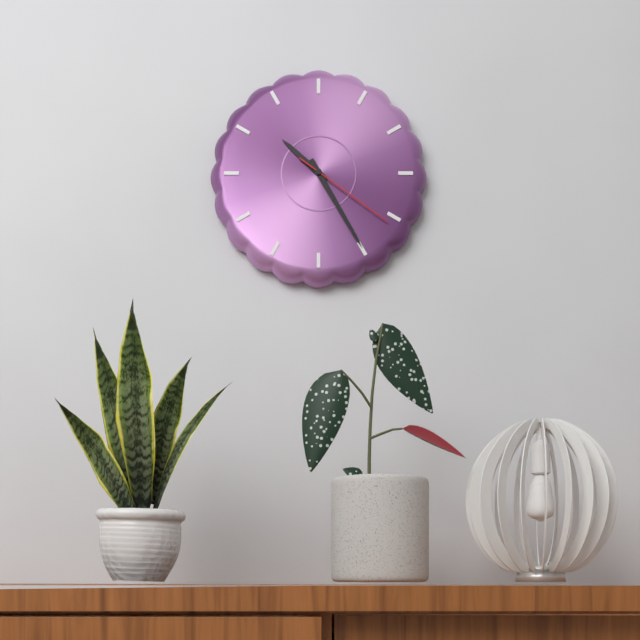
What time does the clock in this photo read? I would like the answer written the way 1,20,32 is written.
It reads 10,25,21
